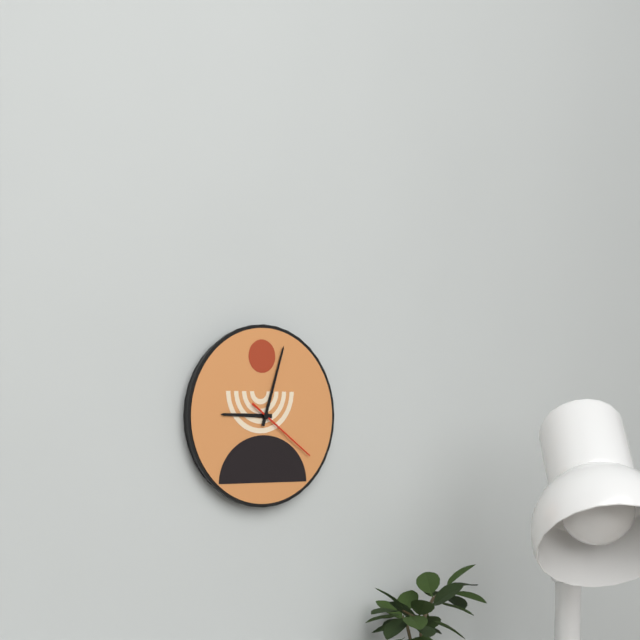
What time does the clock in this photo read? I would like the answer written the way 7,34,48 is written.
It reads 9,03,21
